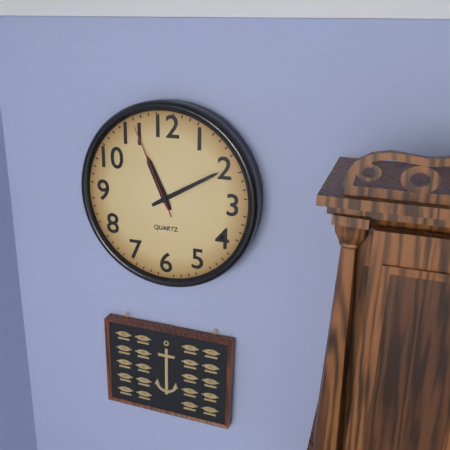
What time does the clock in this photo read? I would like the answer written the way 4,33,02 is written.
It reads 11,10,56
